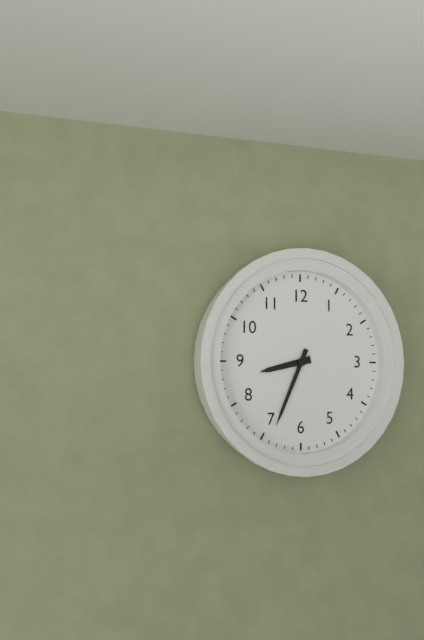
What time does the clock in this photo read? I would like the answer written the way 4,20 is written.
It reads 8,34
